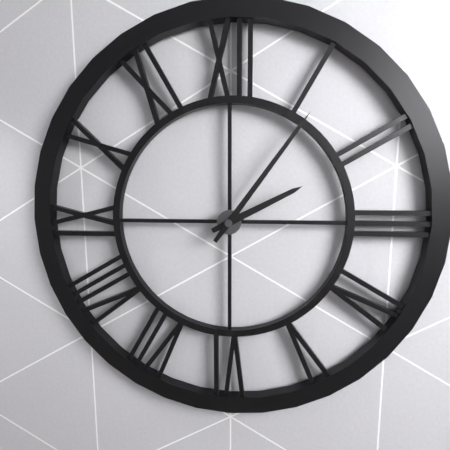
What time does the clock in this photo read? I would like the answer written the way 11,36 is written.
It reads 2,06
